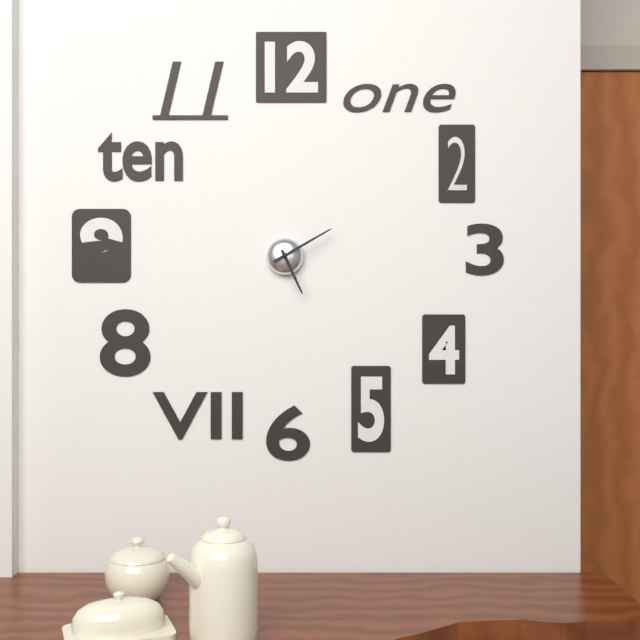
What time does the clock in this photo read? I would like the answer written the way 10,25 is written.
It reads 5,10
